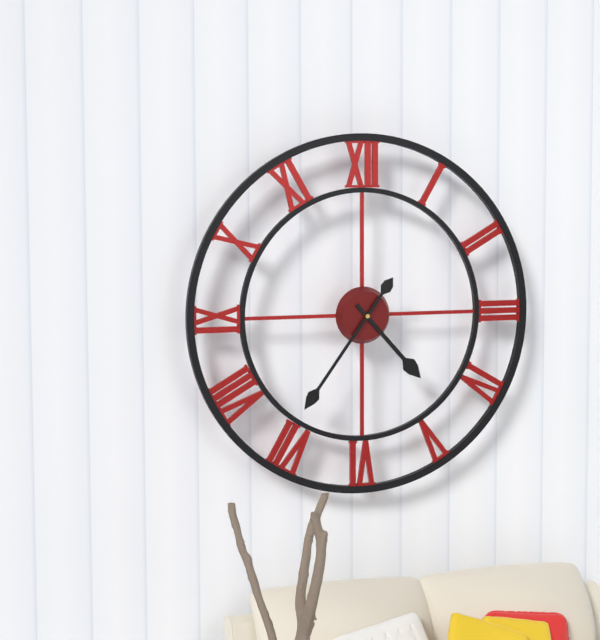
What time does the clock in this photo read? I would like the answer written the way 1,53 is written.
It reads 4,36
